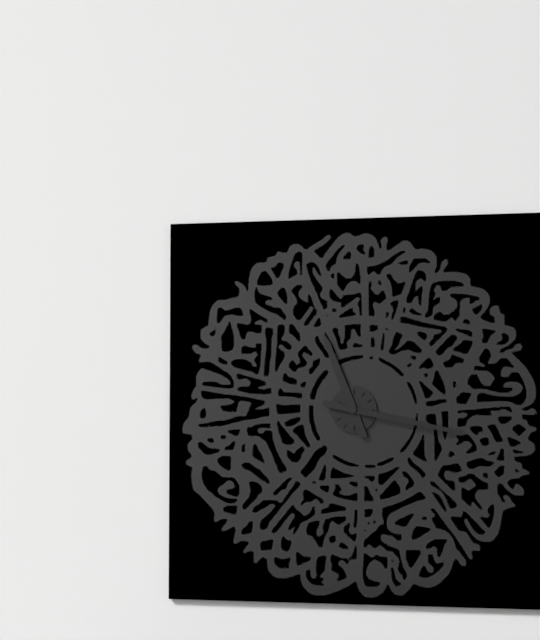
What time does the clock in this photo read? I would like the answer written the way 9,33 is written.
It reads 11,17
